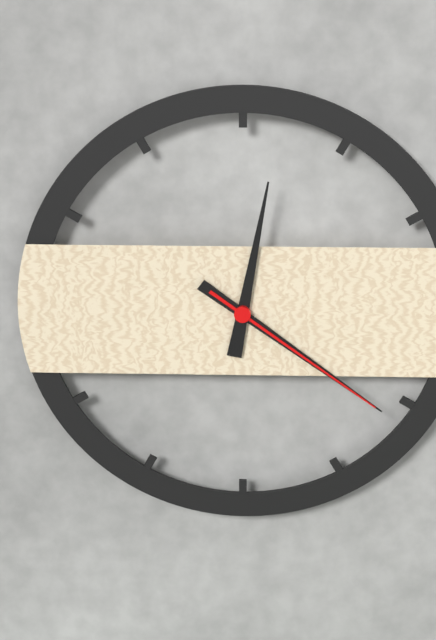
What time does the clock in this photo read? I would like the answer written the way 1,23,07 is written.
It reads 12,21,21
